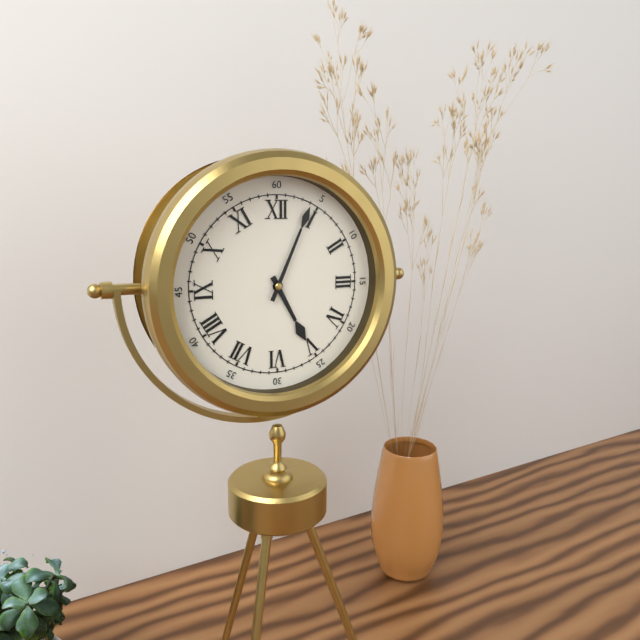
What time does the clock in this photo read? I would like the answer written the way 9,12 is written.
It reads 5,04
